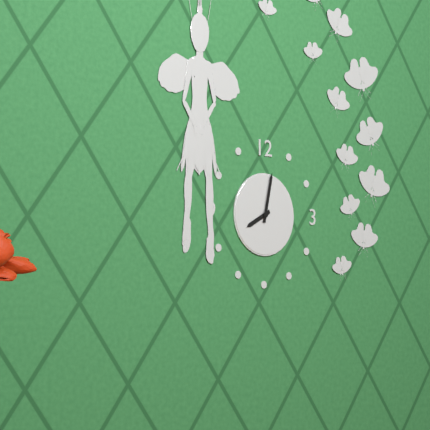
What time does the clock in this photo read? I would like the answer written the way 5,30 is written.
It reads 8,02
